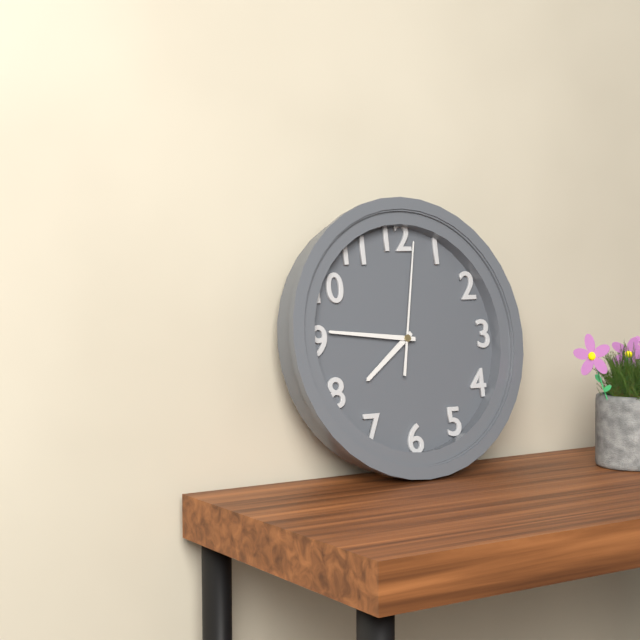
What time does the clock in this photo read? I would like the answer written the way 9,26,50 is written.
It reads 7,46,02
